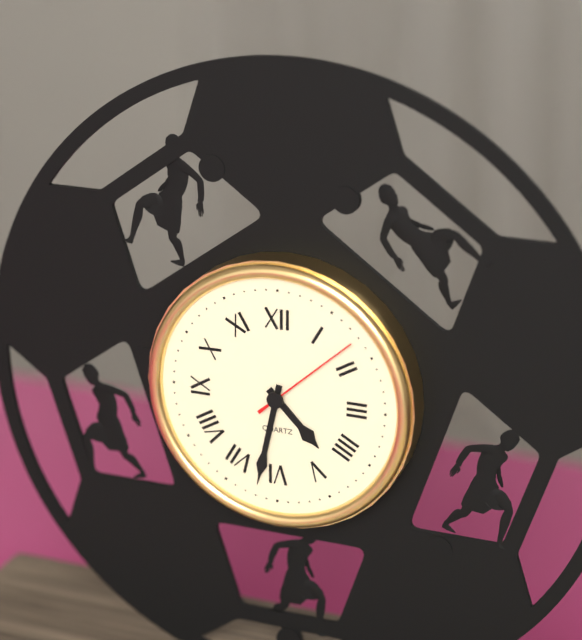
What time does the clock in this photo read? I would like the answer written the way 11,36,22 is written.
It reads 4,32,08
